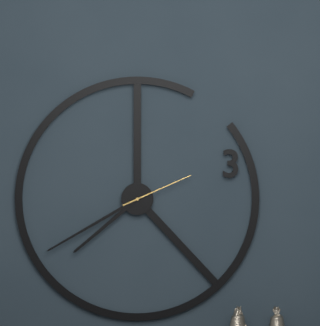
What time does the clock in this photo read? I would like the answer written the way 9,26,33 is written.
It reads 7,40,11
